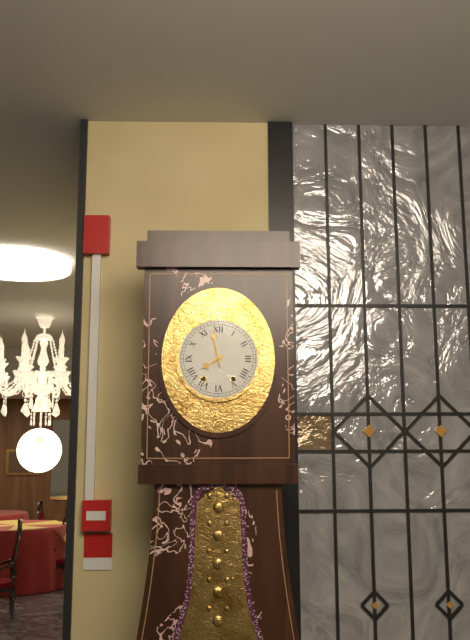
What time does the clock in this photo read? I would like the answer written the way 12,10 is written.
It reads 7,58
